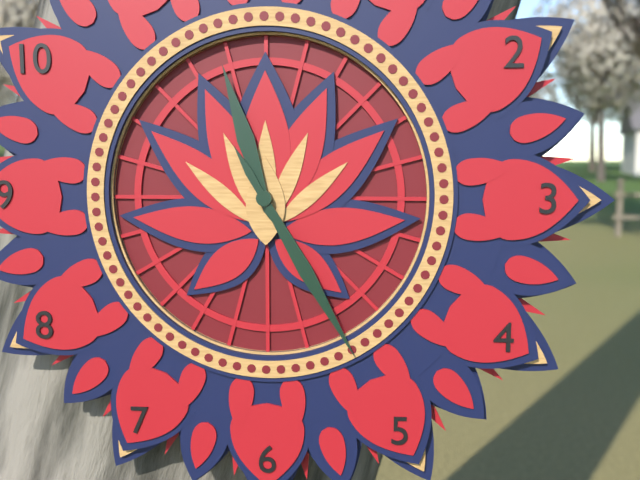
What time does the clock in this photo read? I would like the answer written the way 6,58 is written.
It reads 11,25
